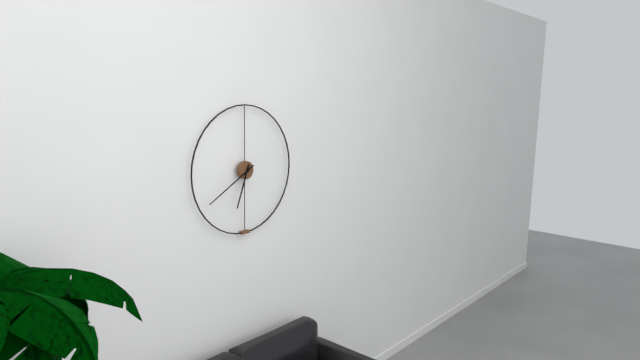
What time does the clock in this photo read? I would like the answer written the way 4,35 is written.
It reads 6,40
